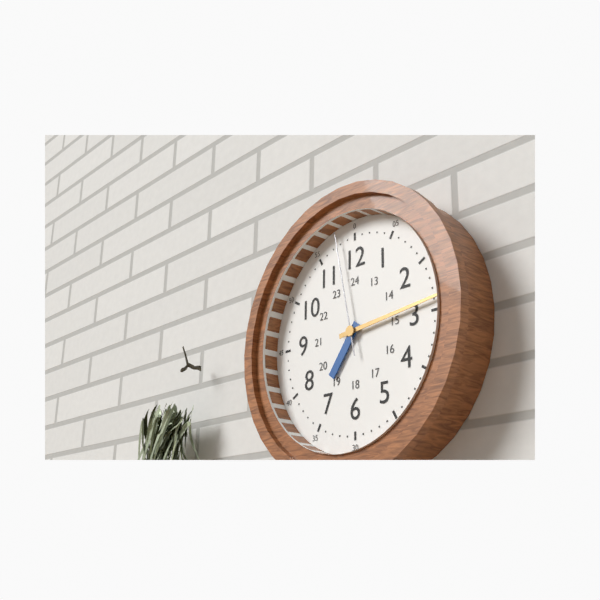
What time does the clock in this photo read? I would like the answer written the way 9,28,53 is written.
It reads 7,14,58
